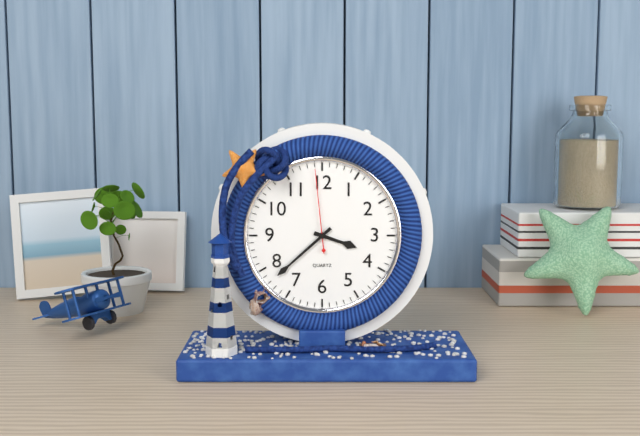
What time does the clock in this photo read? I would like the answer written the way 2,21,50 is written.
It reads 3,38,59
